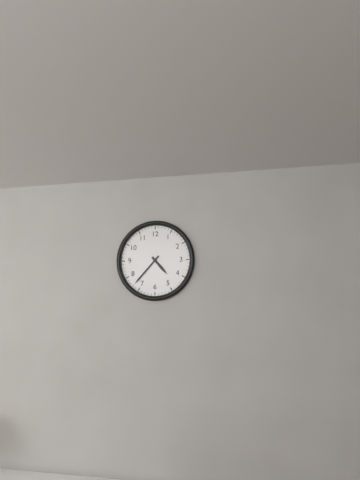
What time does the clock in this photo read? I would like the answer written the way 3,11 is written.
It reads 4,37
